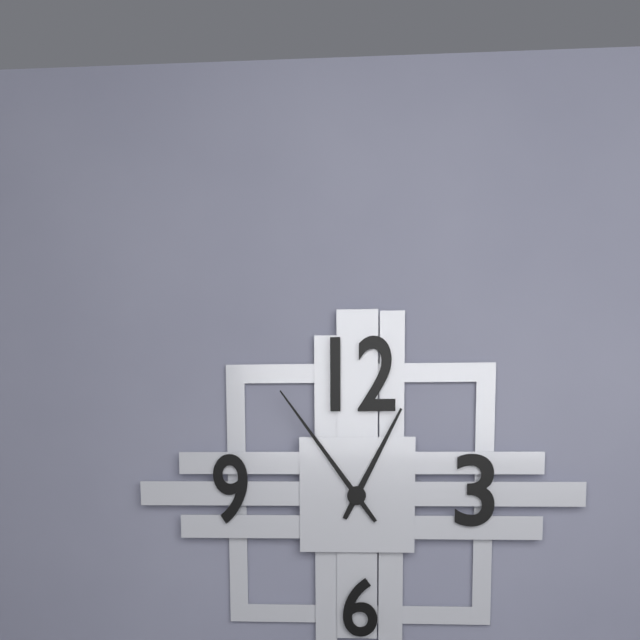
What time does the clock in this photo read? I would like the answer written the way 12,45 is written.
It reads 12,54
